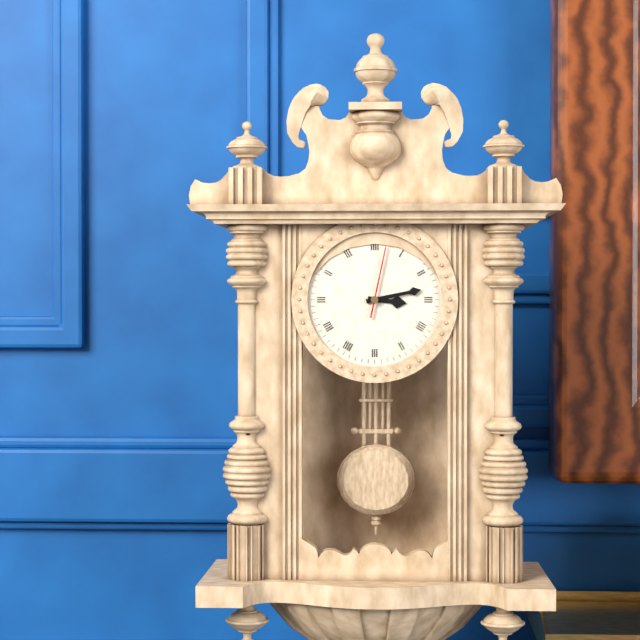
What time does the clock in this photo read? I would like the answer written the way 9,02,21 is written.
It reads 3,13,02
